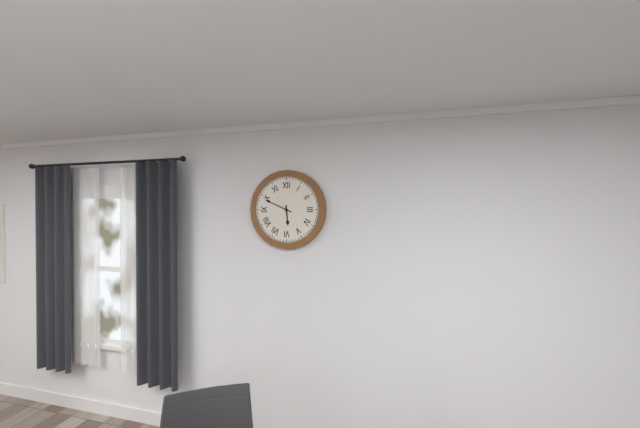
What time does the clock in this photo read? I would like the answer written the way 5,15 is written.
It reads 5,49
